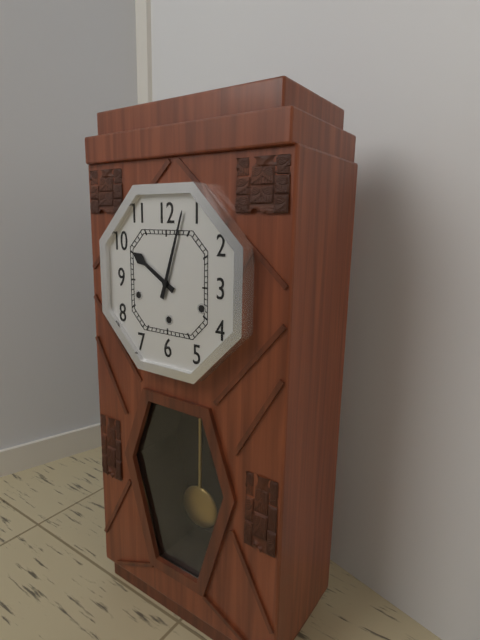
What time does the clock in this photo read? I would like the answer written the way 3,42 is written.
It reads 10,03
